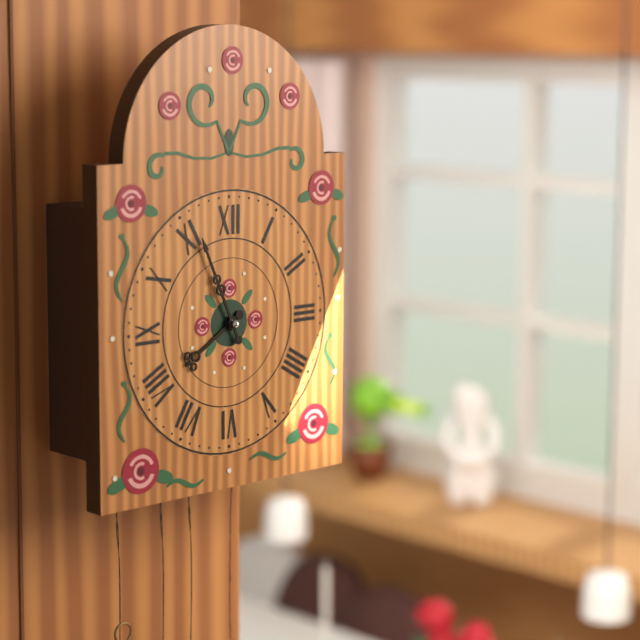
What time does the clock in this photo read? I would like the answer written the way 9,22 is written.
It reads 7,56
